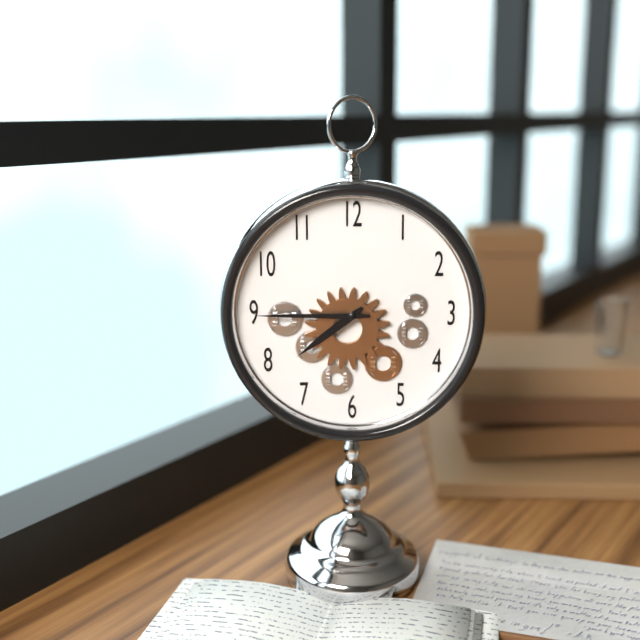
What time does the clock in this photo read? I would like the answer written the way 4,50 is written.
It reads 7,45
